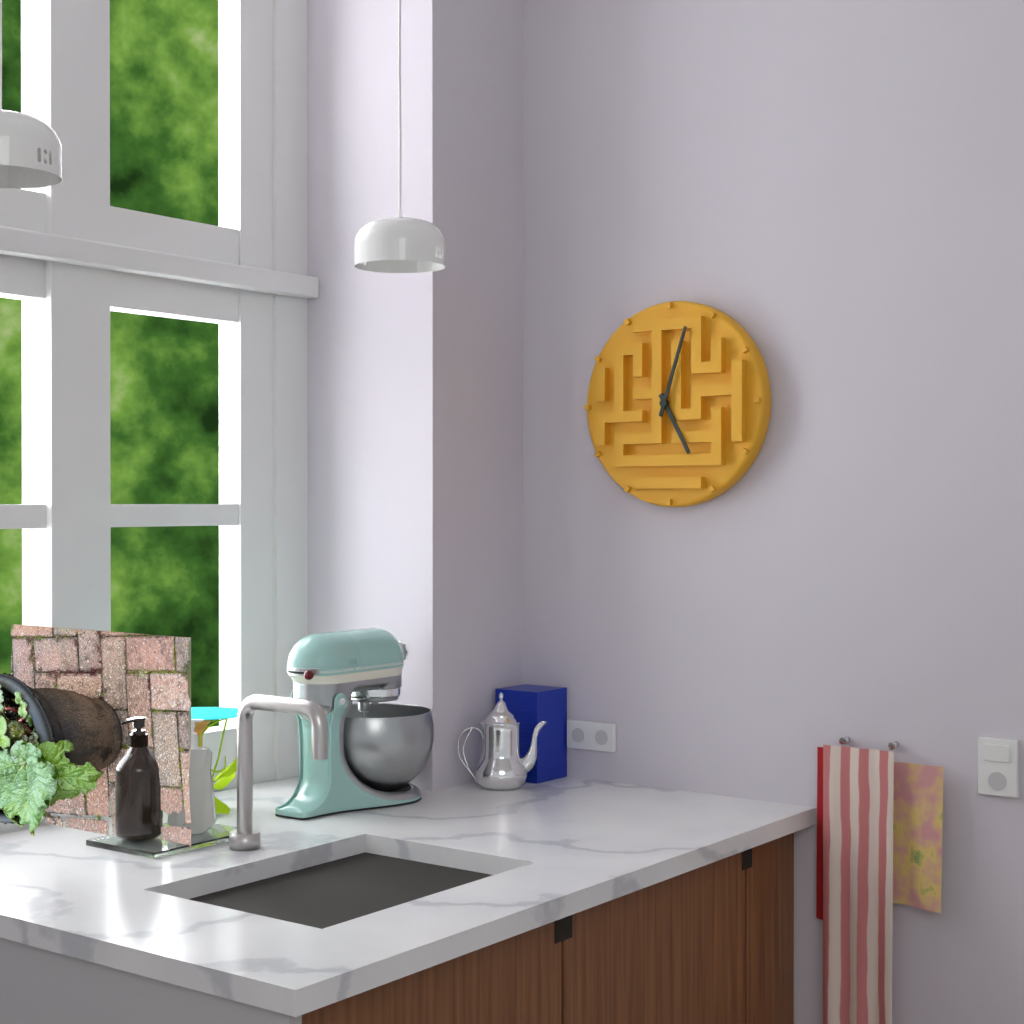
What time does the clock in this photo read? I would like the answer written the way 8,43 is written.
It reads 5,03
